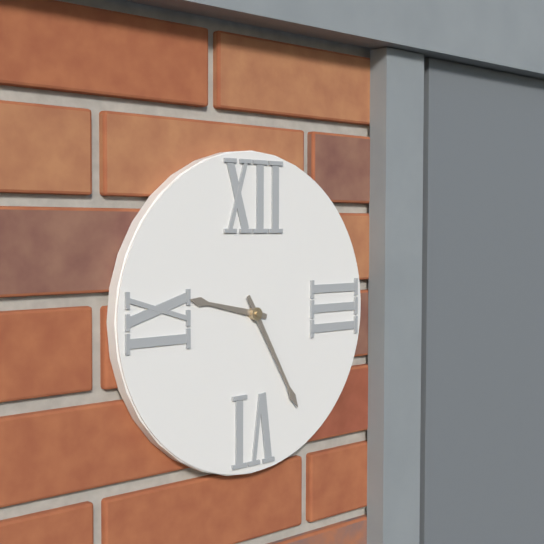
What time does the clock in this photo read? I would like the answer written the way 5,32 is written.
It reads 9,25
